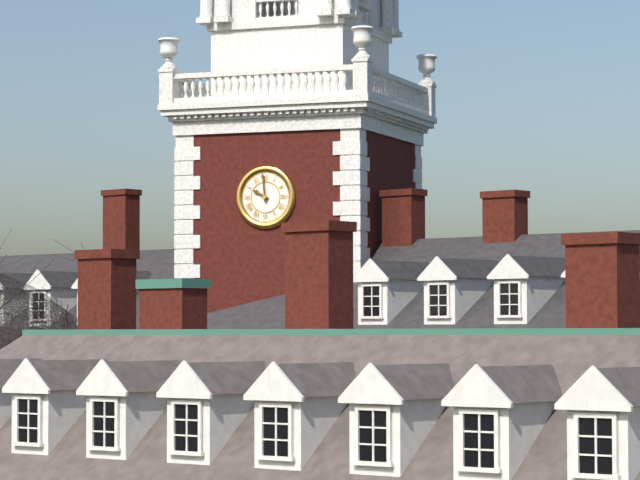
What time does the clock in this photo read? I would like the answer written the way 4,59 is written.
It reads 9,59
